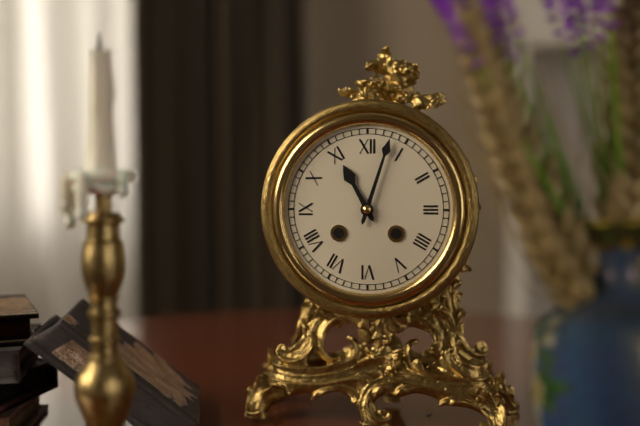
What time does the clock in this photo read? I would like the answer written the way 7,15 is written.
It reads 11,03
